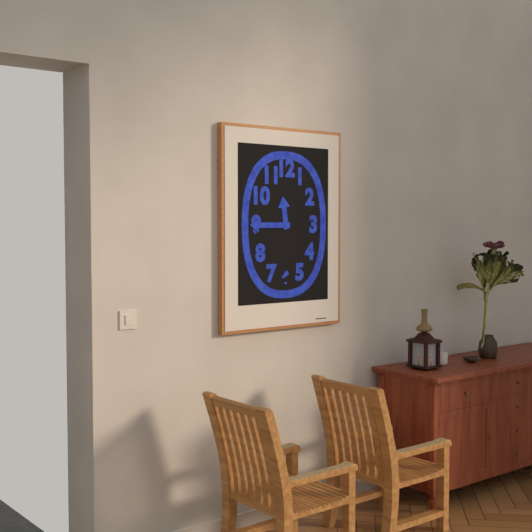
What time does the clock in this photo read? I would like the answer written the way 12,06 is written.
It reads 11,45
